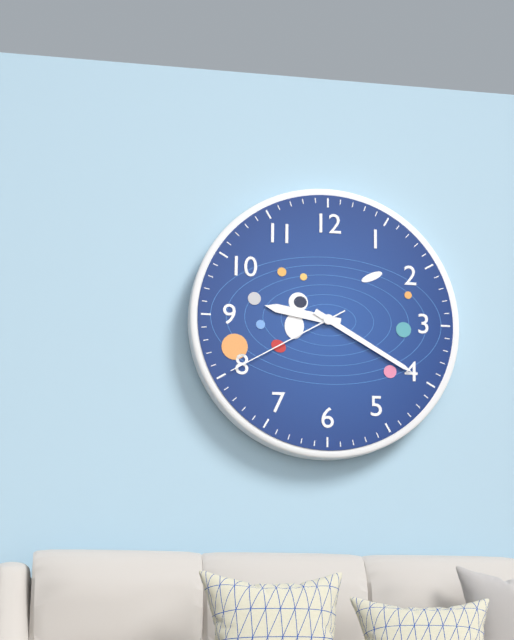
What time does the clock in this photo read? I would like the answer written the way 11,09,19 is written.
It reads 9,20,40
